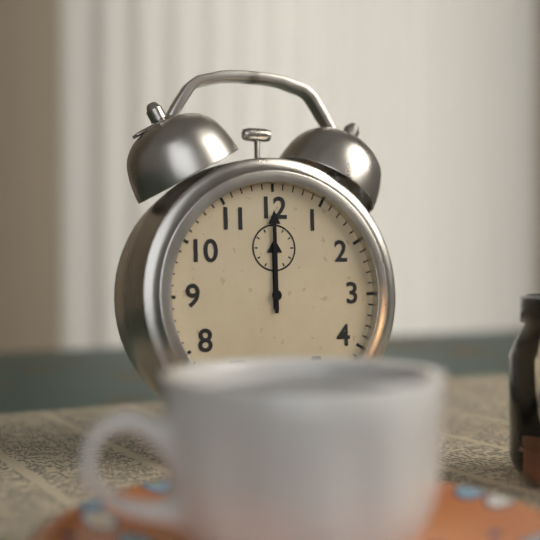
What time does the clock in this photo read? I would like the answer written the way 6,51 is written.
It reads 12,00
